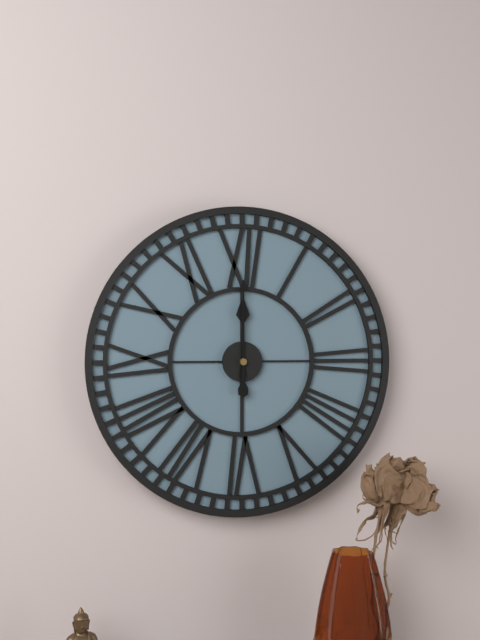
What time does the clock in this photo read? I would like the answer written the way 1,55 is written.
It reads 12,00
